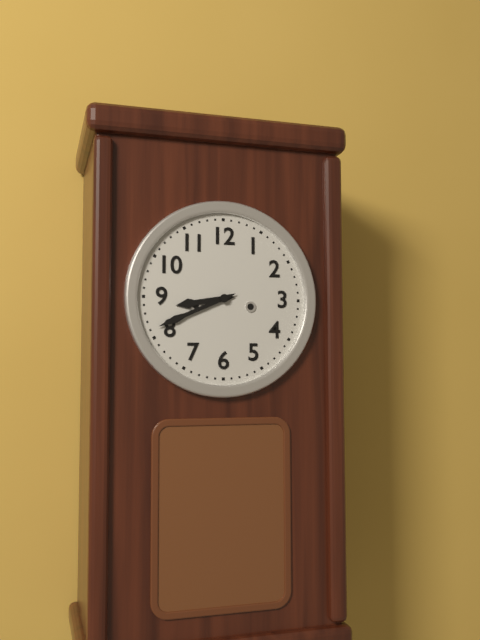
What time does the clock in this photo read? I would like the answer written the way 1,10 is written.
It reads 8,41
